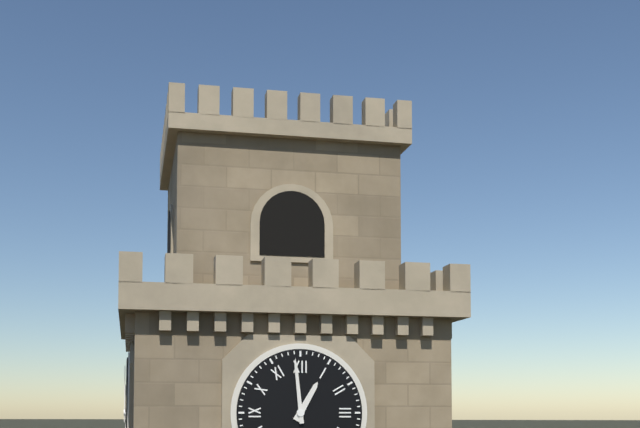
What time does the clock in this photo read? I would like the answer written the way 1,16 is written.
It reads 12,59
